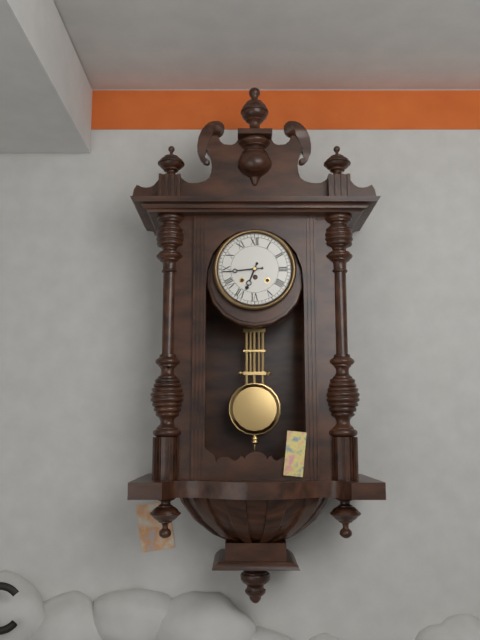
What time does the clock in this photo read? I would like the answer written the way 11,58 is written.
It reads 6,44
